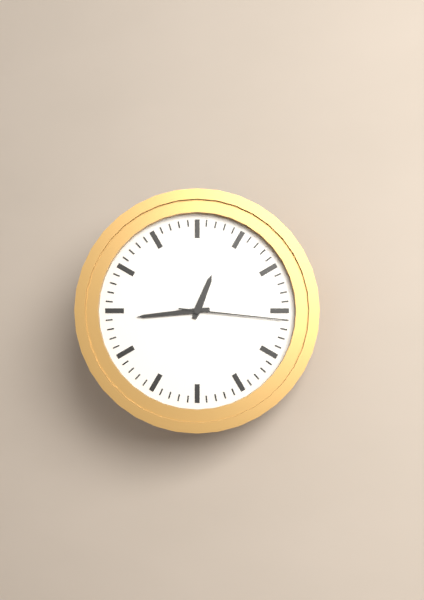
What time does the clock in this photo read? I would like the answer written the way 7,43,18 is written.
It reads 12,44,16
